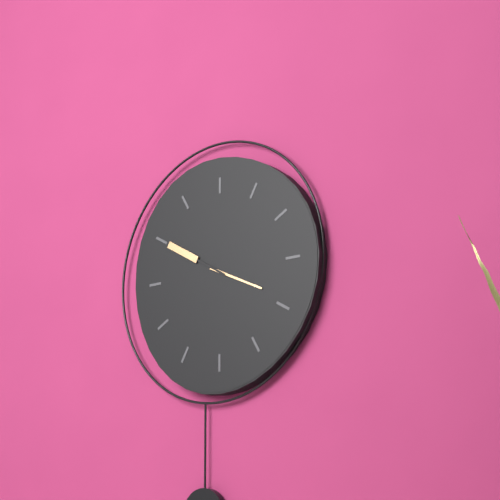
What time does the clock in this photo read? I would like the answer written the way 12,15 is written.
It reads 3,50
